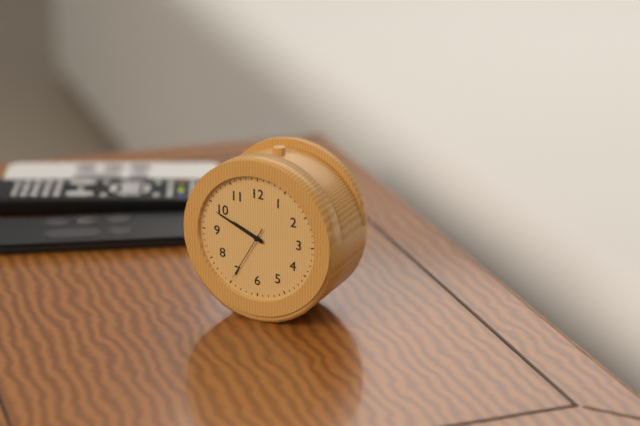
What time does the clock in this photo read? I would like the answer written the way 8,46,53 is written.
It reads 9,49,35
